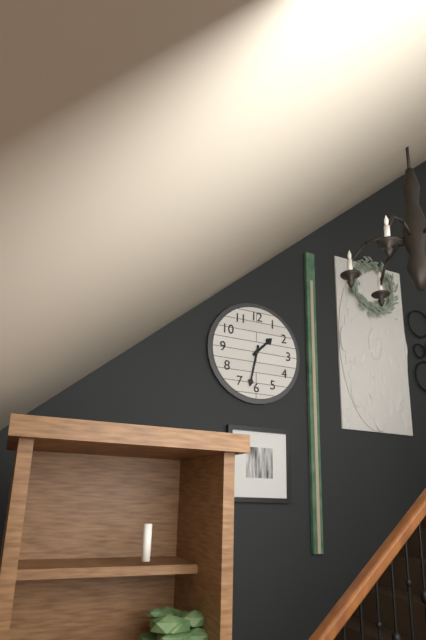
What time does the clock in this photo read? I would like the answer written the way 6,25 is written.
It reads 1,32
